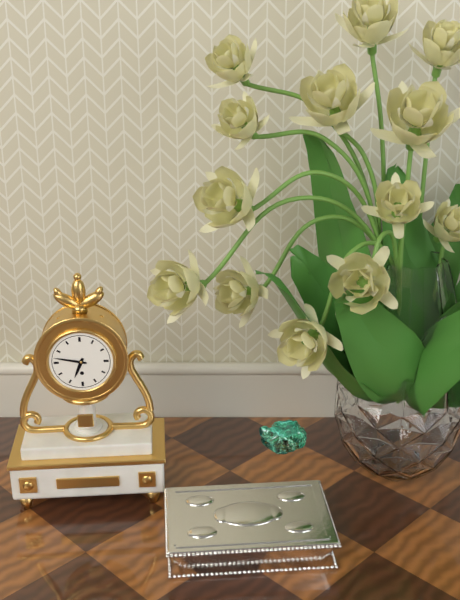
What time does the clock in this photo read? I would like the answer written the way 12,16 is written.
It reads 6,47
